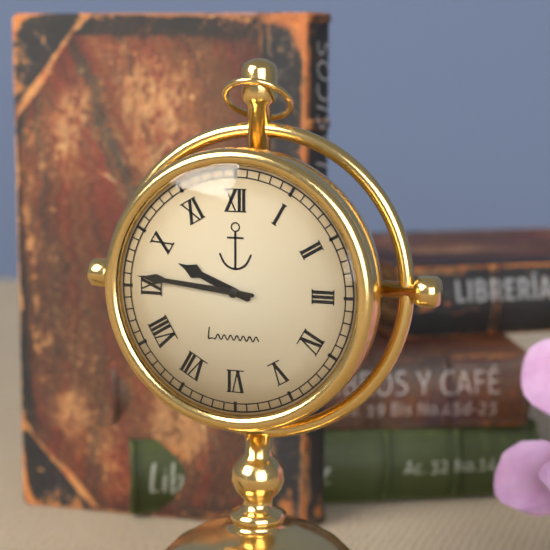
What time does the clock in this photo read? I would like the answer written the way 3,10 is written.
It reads 9,46
